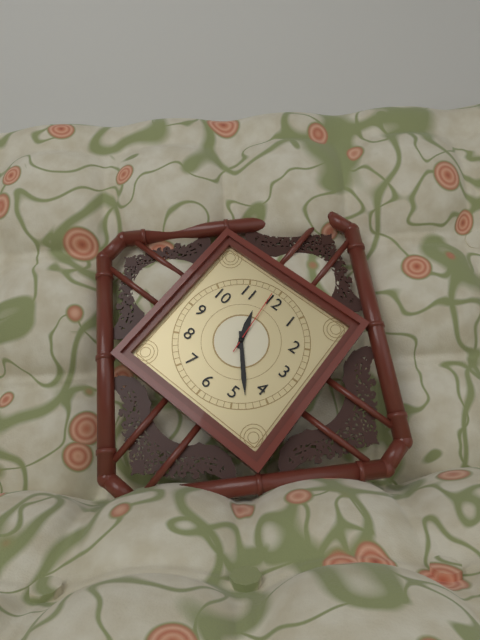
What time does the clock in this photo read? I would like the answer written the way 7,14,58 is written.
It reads 11,23,59
